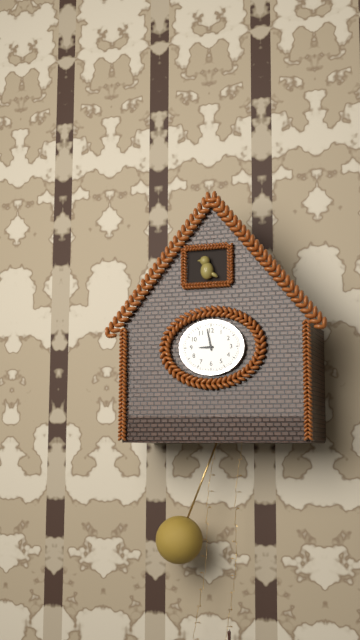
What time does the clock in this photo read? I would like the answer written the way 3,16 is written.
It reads 8,58
